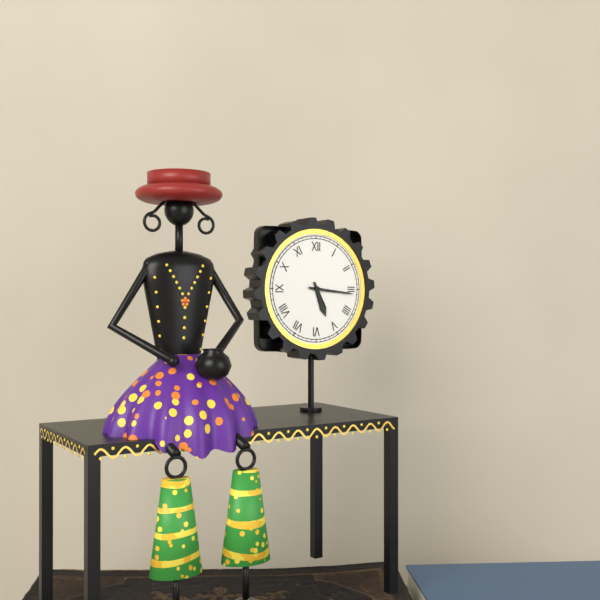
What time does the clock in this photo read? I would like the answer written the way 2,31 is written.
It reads 5,16
